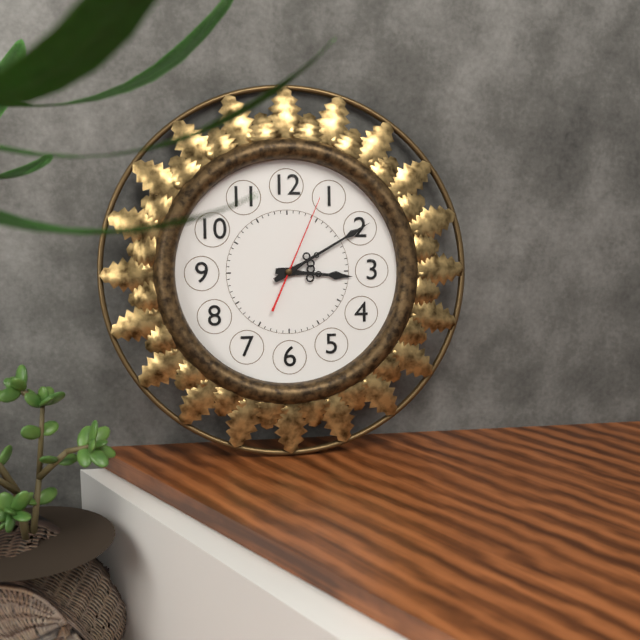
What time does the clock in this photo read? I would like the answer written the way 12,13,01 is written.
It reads 3,10,04
